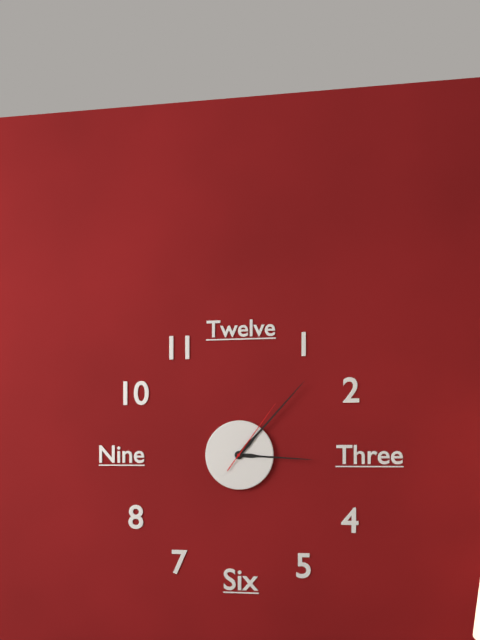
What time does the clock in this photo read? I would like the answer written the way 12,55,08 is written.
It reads 3,07,06
